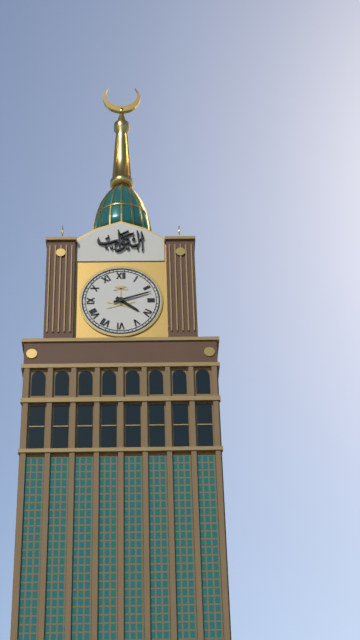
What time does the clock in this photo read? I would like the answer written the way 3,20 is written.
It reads 4,12
